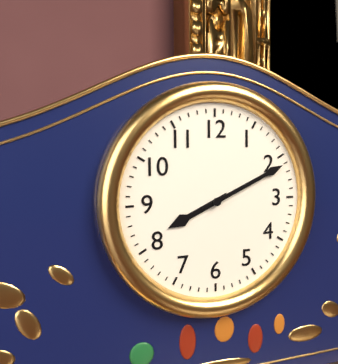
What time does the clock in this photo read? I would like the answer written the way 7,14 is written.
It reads 8,11
